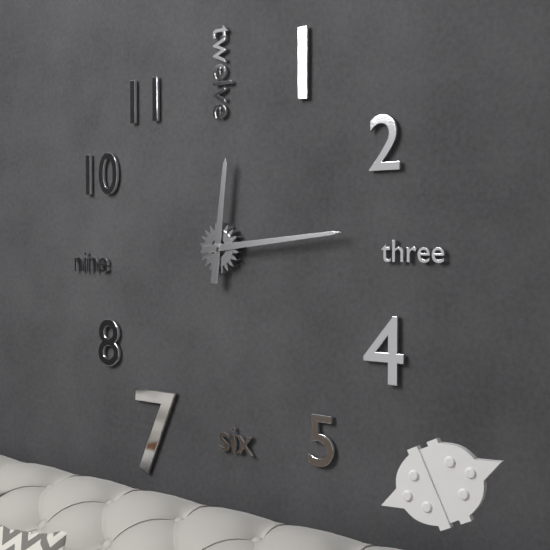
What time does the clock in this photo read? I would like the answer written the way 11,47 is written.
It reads 12,14
